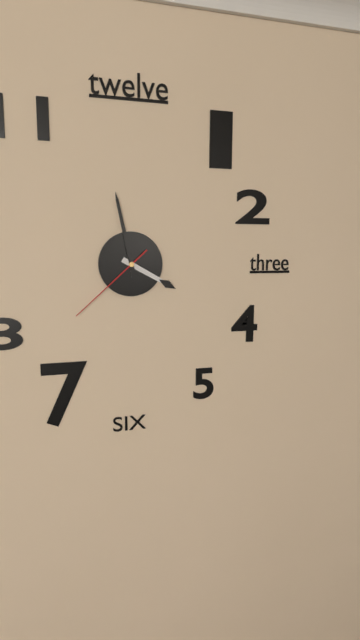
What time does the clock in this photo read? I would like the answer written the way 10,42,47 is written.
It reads 3,58,38
